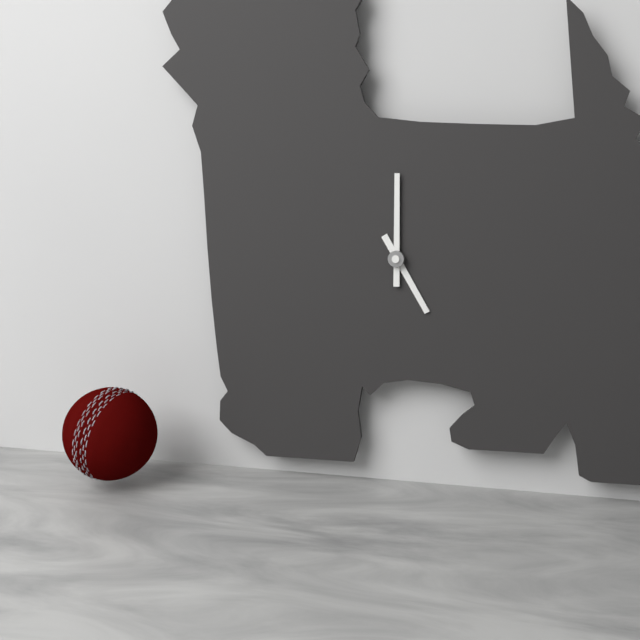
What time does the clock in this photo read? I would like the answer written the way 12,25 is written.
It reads 5,00
